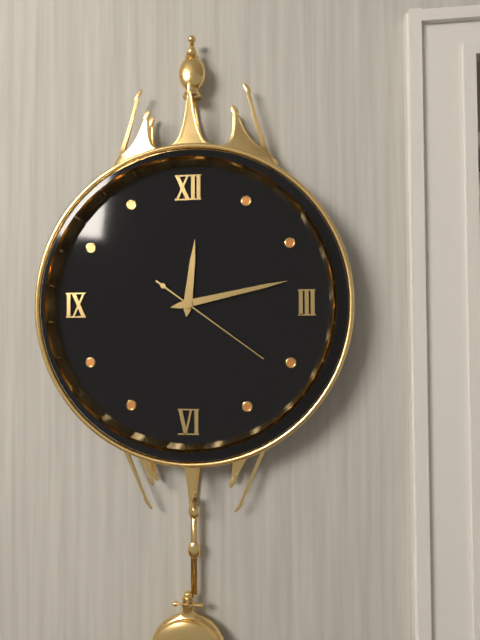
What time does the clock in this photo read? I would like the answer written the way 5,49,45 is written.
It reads 12,13,21
